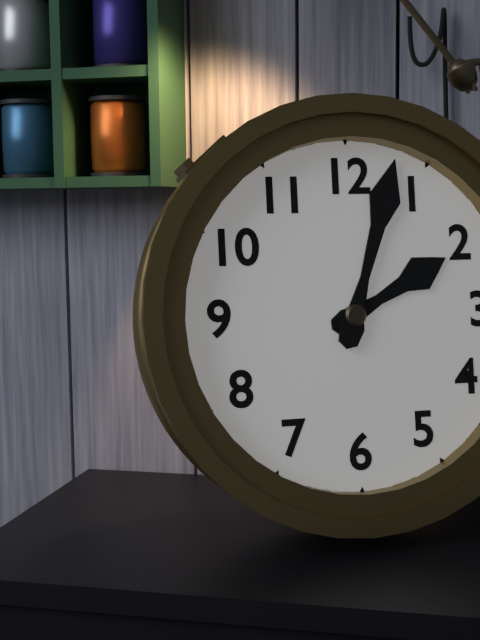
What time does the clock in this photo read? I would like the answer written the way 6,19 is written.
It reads 2,03
